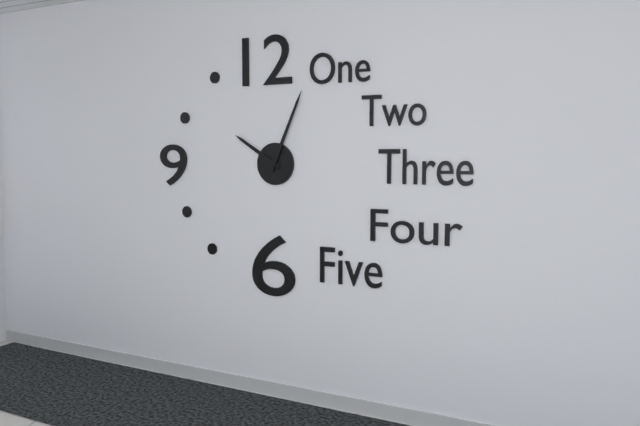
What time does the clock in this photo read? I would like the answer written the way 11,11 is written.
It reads 10,04
